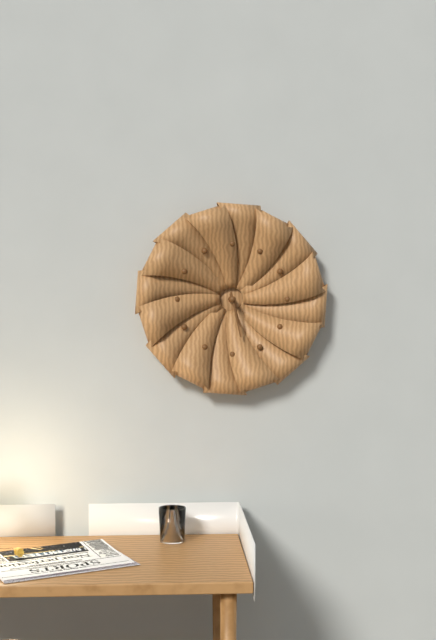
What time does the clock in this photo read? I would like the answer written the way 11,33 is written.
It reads 5,28
